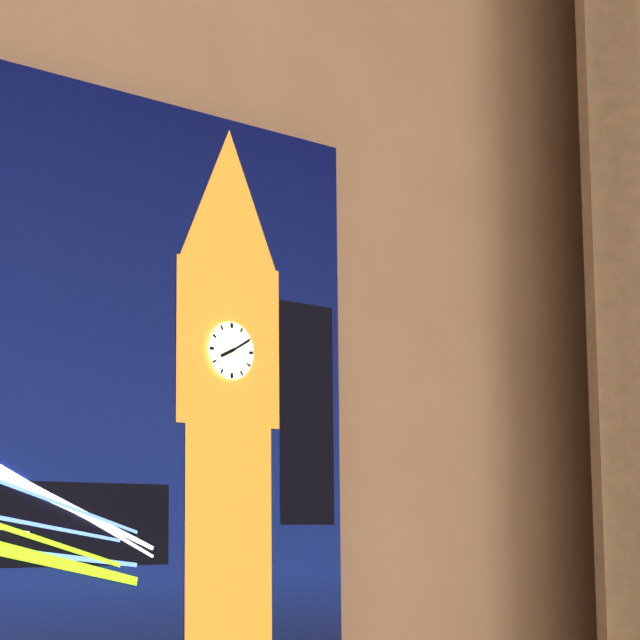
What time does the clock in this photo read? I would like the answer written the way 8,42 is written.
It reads 8,10
